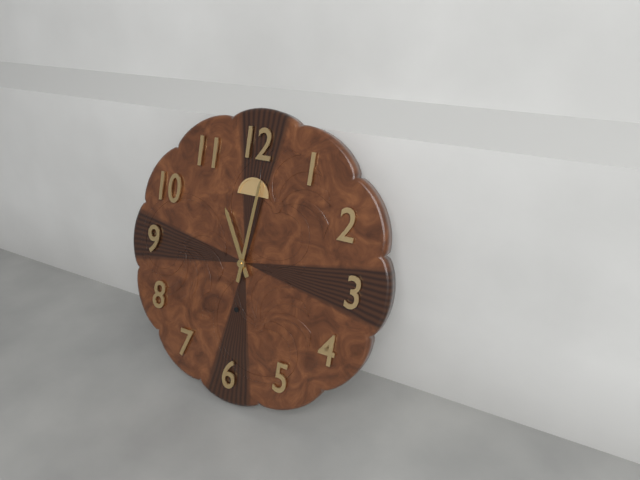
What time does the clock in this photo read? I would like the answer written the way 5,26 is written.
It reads 11,01
